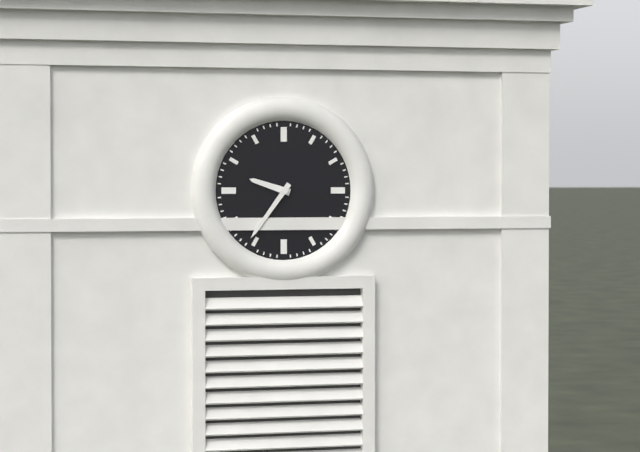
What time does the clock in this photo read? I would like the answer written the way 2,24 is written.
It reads 9,36
